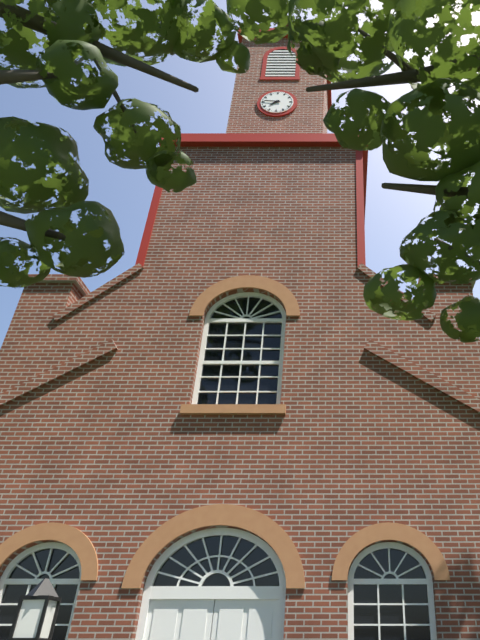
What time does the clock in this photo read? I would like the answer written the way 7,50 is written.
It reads 7,46
